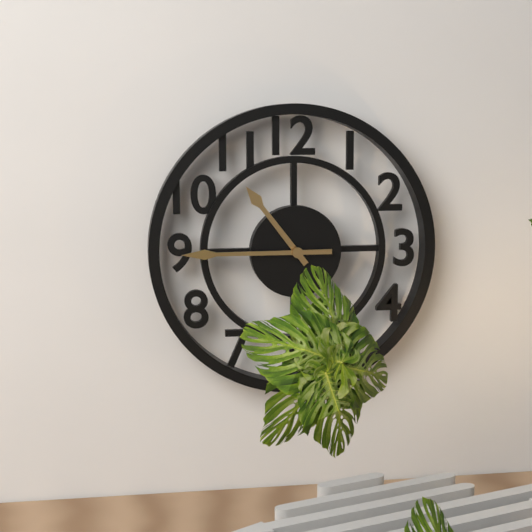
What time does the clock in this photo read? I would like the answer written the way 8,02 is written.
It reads 10,45
